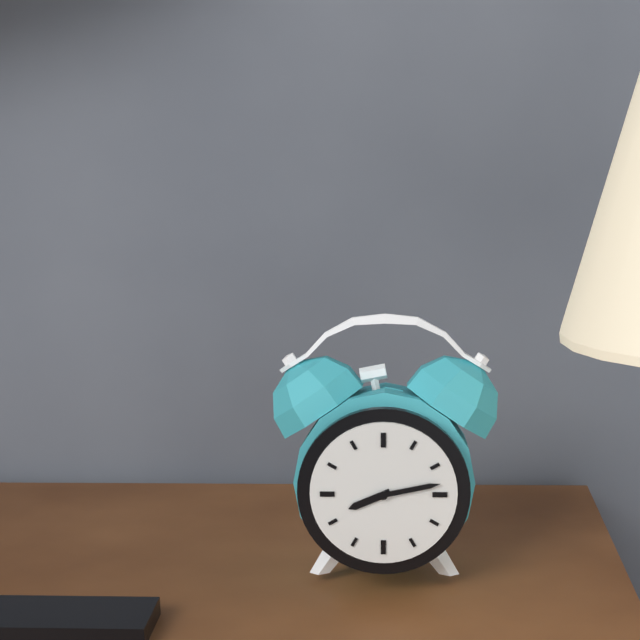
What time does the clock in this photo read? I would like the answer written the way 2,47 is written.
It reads 8,13
